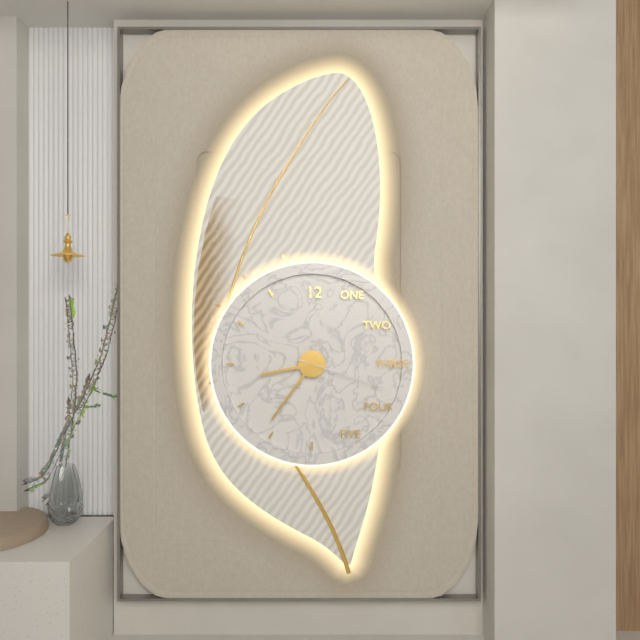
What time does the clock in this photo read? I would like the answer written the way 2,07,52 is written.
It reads 8,36,18
